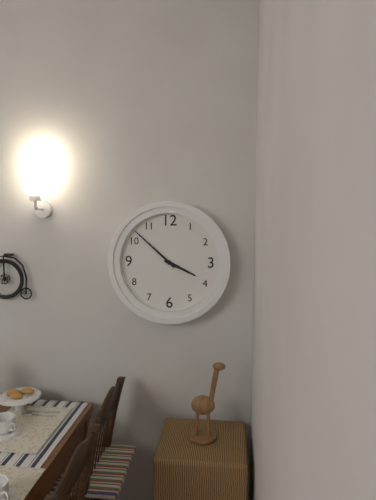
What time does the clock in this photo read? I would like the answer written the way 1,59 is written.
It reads 3,52
